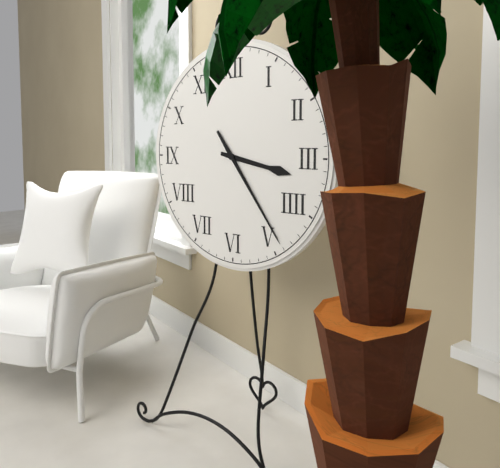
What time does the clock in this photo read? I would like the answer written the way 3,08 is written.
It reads 3,24
